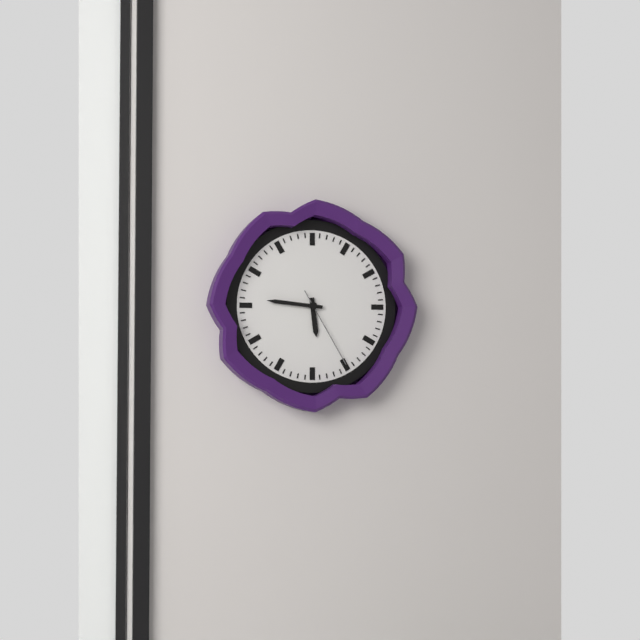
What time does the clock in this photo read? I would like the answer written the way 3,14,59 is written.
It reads 5,46,25
